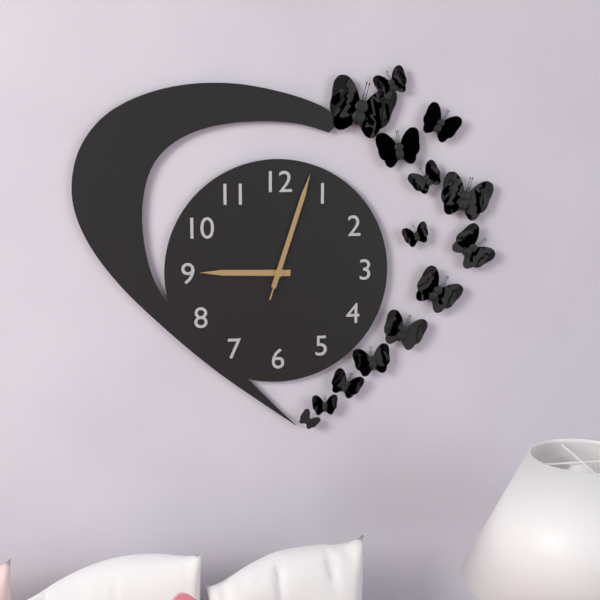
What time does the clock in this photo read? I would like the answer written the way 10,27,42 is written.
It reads 9,03,03
